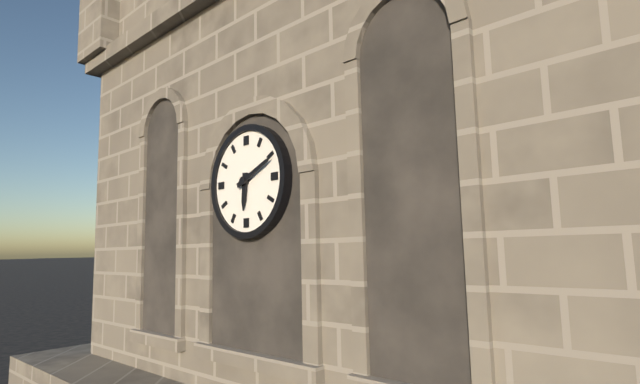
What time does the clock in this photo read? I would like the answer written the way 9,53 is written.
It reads 6,11
